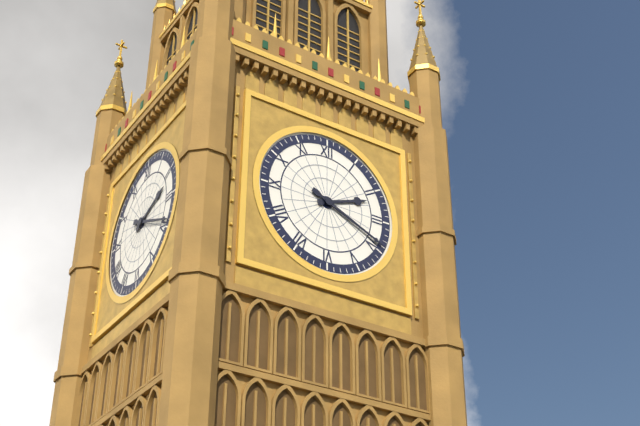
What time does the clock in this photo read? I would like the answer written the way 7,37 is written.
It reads 2,19
